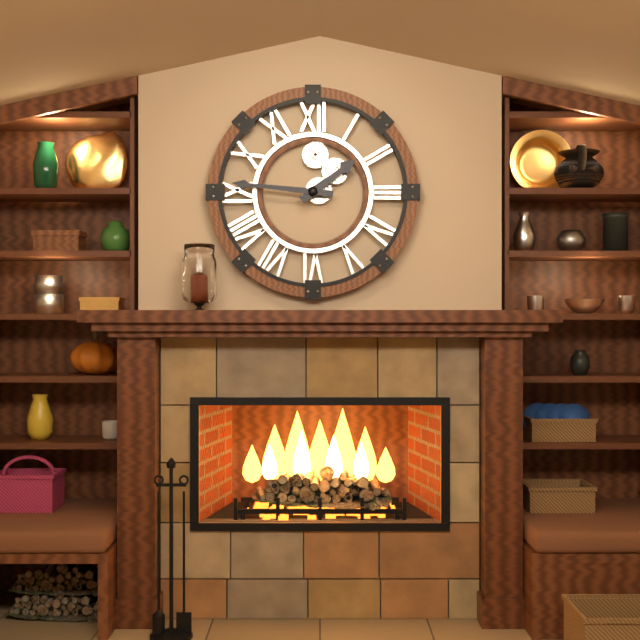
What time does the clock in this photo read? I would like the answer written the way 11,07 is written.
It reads 1,46
